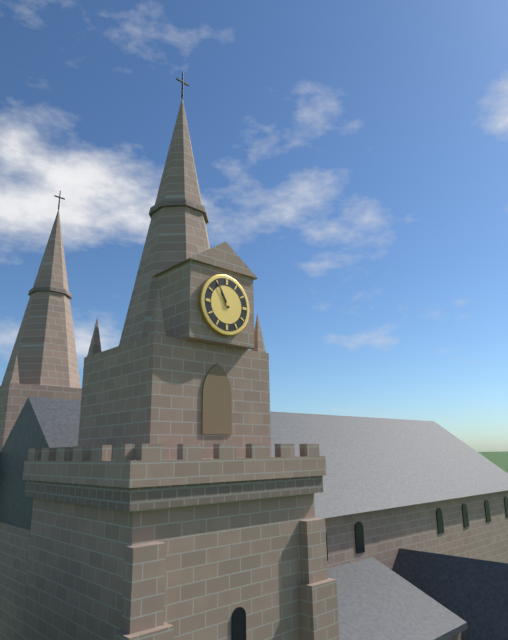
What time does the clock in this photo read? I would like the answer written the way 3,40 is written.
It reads 10,55
